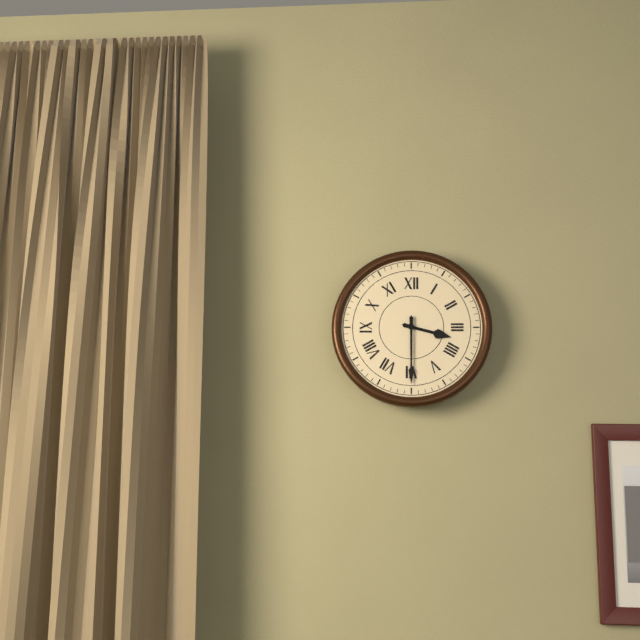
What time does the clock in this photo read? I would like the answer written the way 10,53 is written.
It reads 3,30
